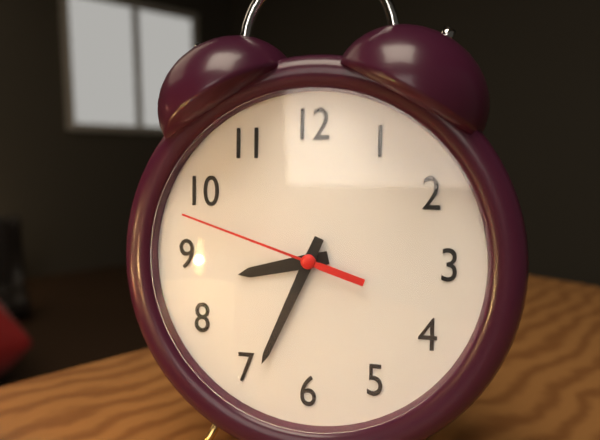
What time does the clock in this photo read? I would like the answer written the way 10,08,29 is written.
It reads 8,34,48
